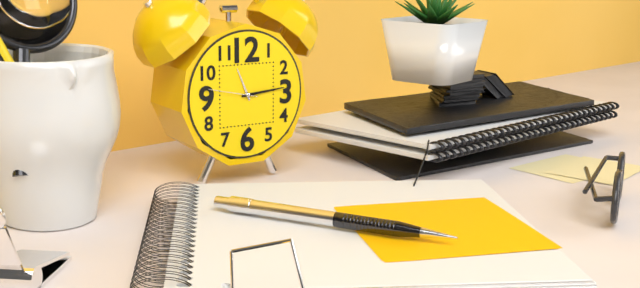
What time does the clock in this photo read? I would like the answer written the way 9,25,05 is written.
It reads 11,14,47
